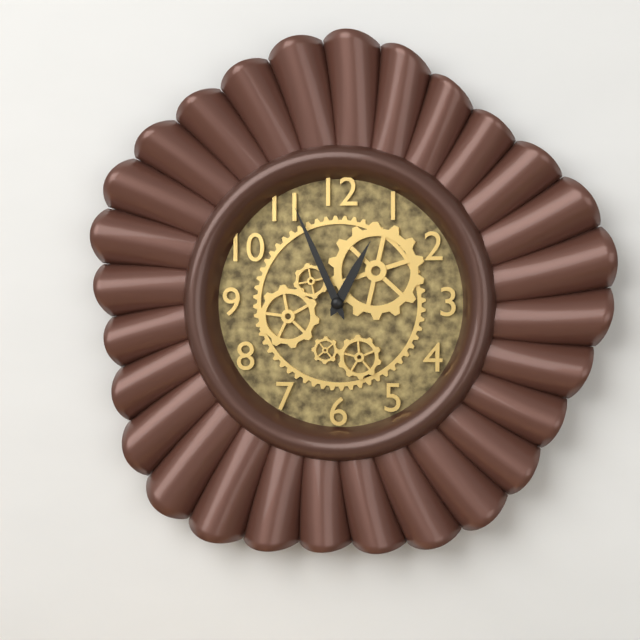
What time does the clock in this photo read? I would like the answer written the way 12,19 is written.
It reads 12,56
